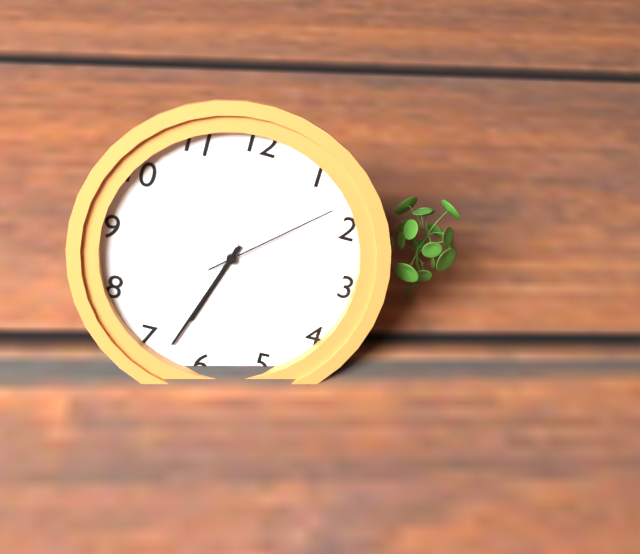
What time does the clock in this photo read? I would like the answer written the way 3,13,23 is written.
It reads 6,33,08
